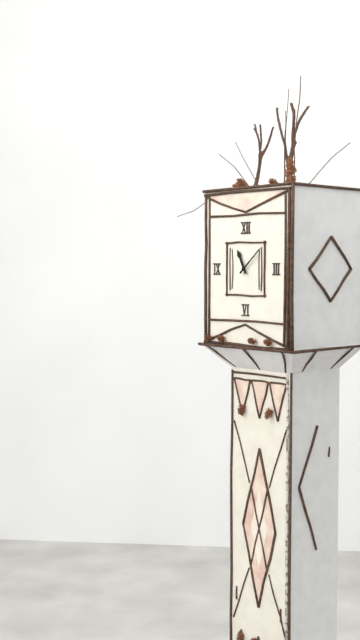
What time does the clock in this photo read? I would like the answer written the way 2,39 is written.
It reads 11,08
